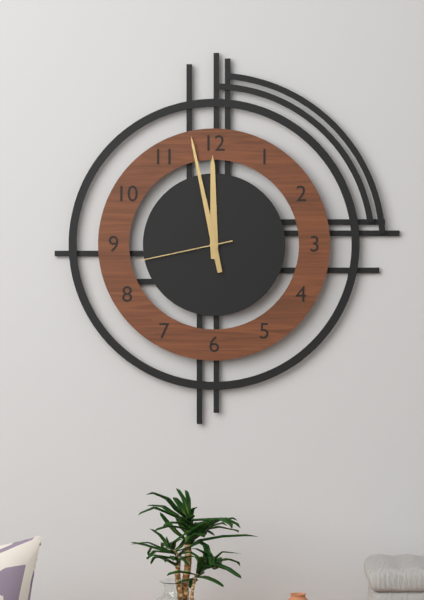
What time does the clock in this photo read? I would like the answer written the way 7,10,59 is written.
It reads 11,58,43
